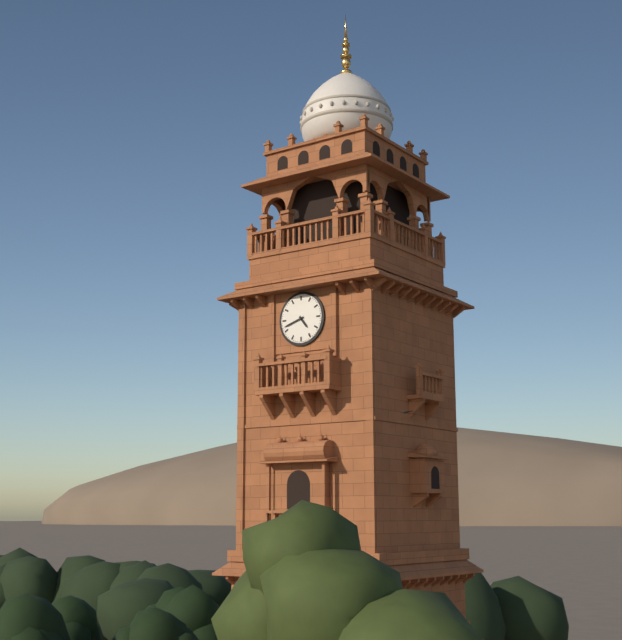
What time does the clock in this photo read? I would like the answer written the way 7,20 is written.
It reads 4,42
